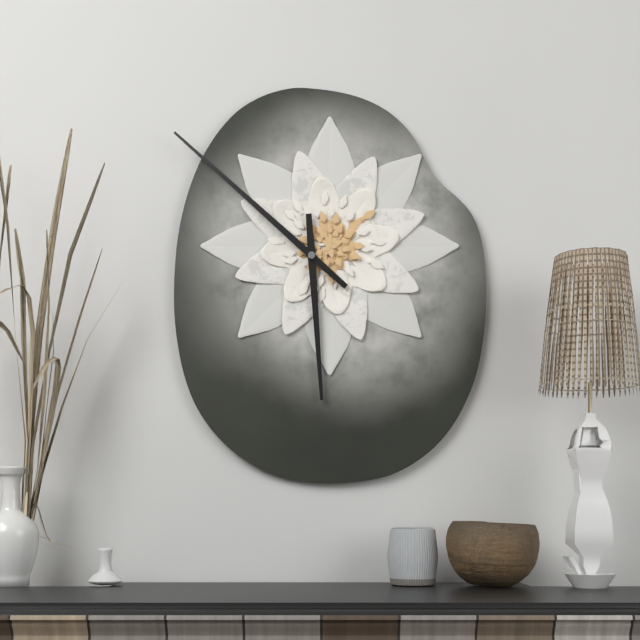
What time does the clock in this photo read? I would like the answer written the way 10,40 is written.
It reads 5,52
